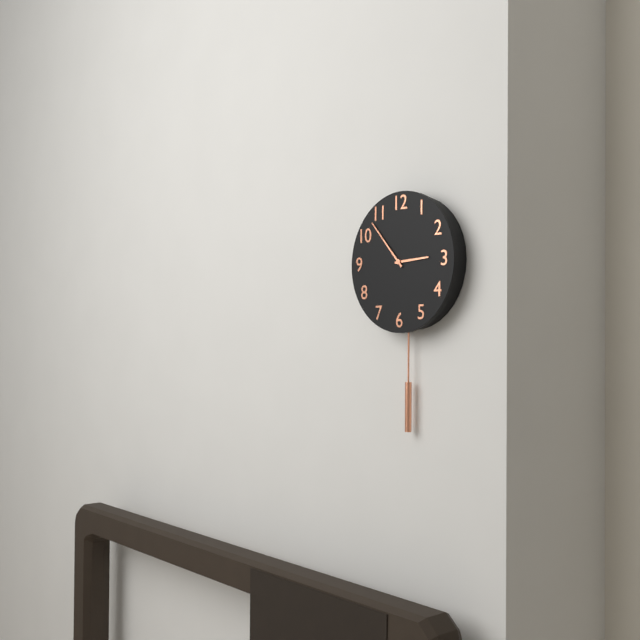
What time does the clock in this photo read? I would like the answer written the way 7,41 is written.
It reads 2,53
